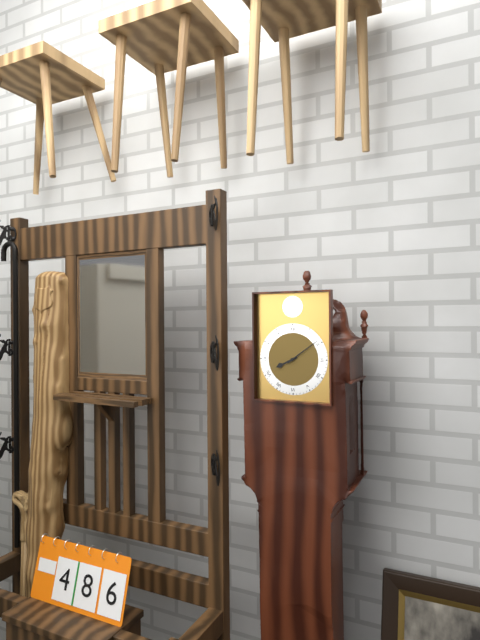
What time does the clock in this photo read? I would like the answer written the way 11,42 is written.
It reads 8,09
